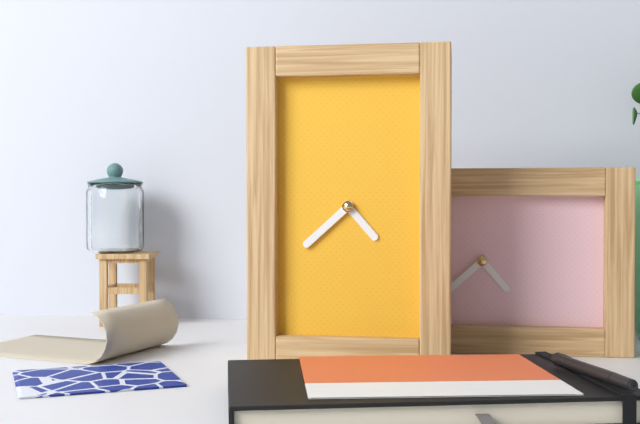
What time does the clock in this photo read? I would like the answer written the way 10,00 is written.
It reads 4,38
